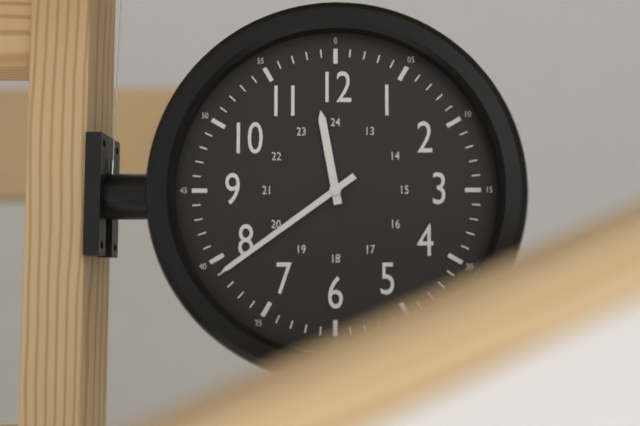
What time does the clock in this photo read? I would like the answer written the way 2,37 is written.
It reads 11,39
